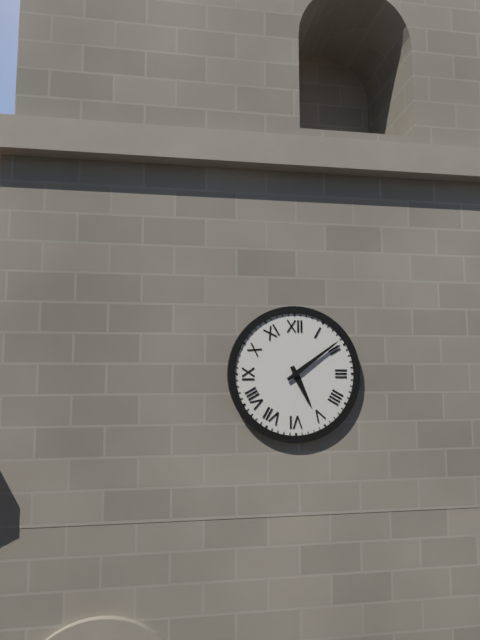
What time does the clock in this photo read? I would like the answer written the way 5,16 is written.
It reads 5,09
